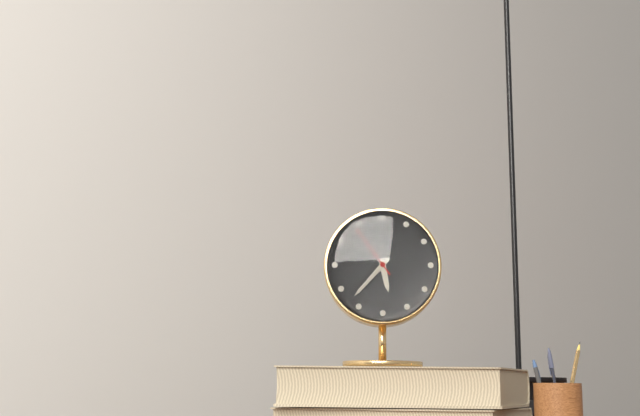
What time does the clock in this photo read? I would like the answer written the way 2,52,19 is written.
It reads 5,37,54
